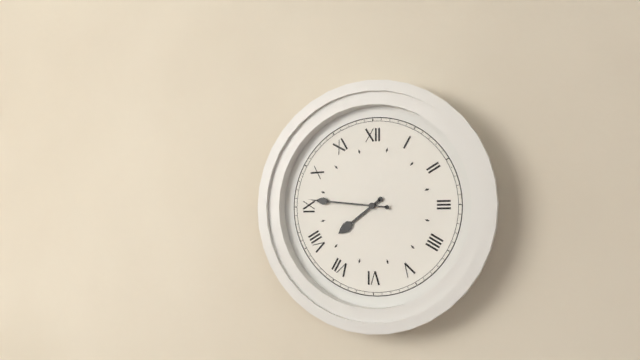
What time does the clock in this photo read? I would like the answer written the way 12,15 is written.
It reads 7,46
